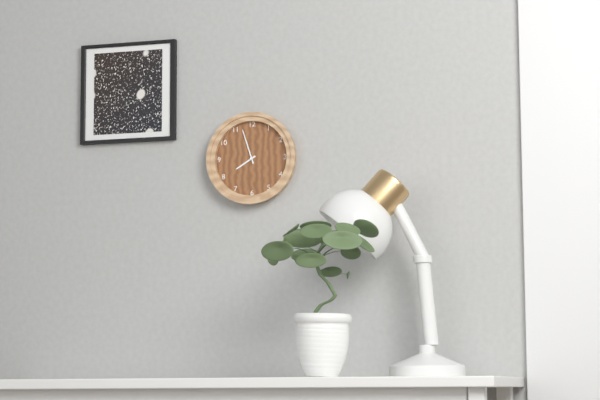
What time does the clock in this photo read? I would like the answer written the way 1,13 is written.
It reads 7,57
